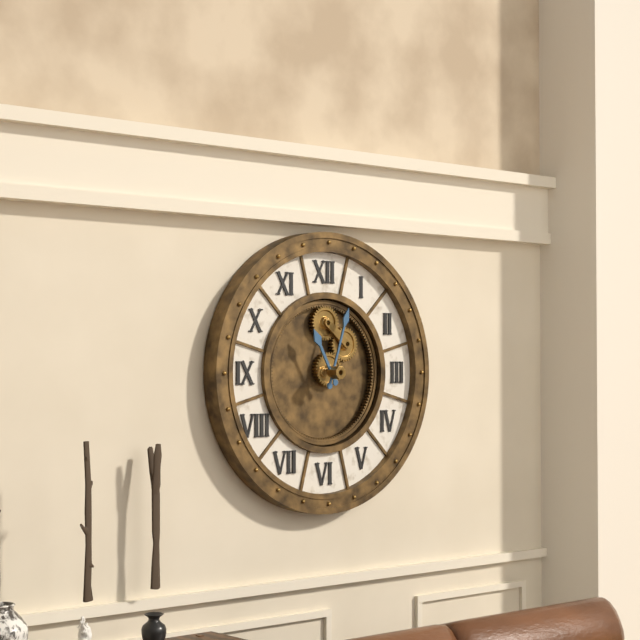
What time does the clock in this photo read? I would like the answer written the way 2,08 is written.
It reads 11,03
